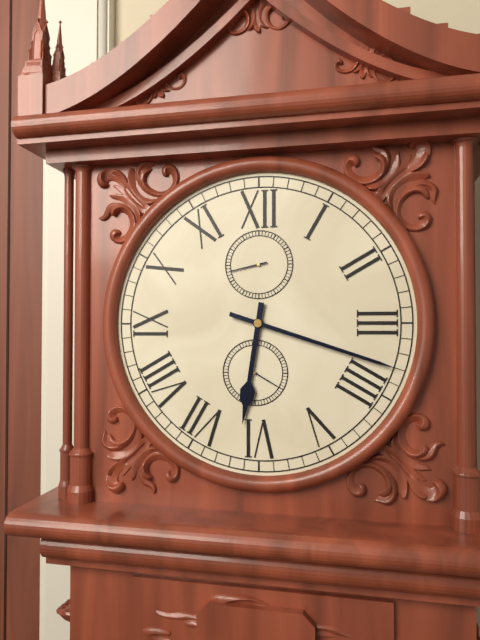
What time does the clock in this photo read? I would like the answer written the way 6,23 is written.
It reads 6,18
